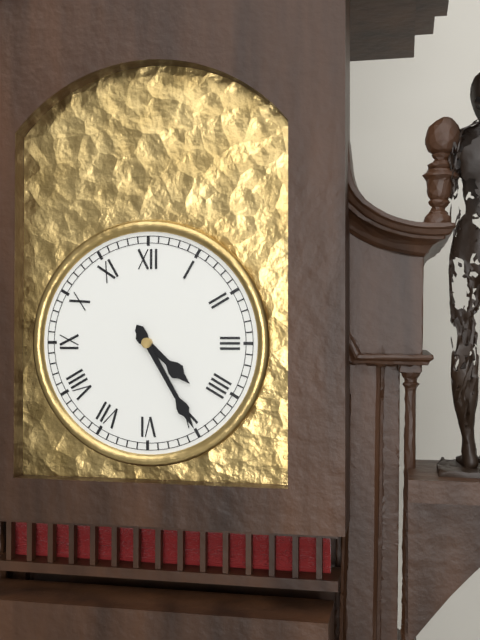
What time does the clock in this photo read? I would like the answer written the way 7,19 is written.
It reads 4,25
